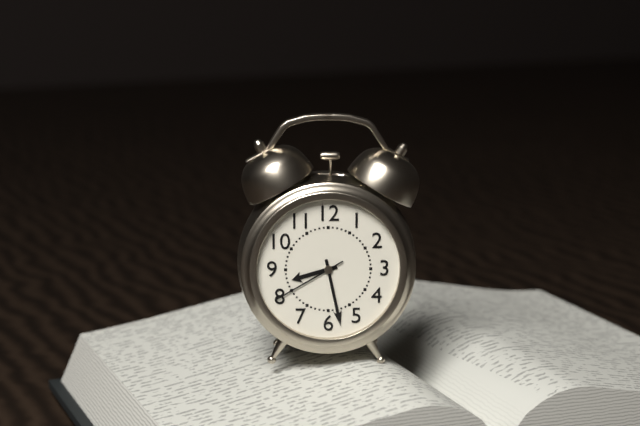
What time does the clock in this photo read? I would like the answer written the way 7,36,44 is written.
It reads 8,28,40
